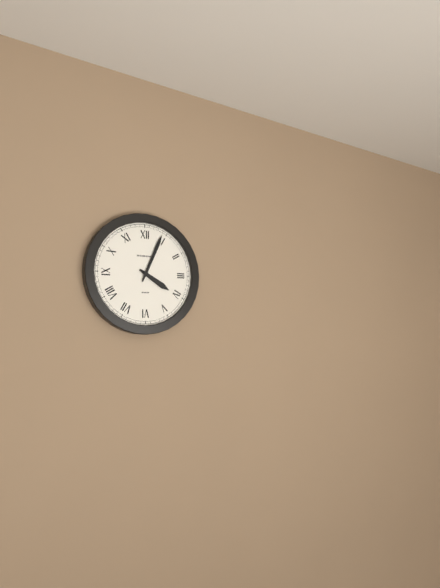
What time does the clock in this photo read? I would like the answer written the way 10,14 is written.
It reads 4,04
